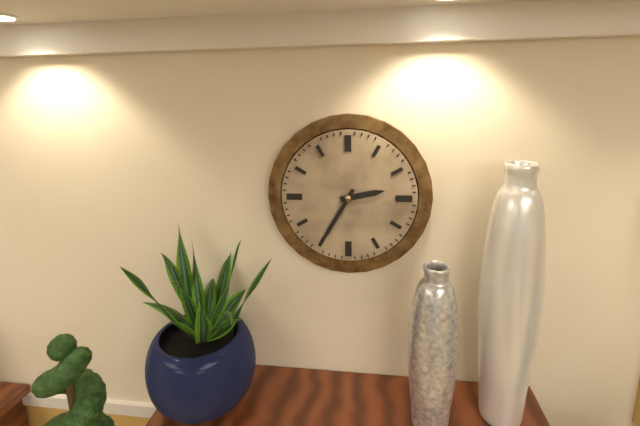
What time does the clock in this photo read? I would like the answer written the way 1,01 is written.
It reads 2,35
